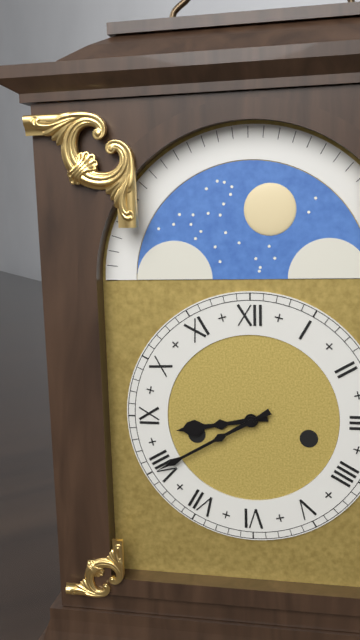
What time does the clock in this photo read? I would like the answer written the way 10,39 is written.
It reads 8,40
